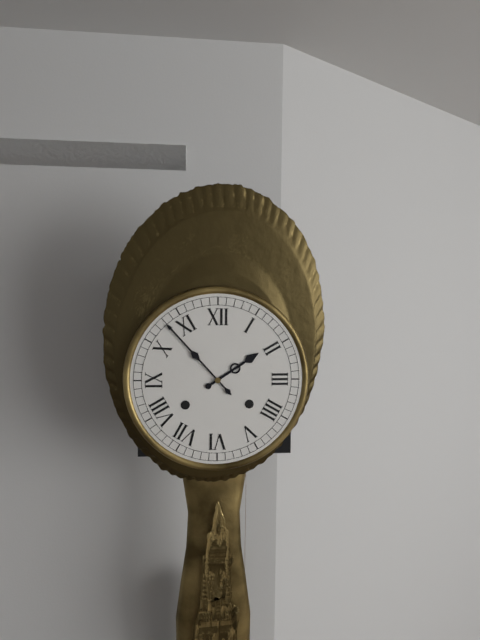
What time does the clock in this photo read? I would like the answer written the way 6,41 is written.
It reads 1,53
